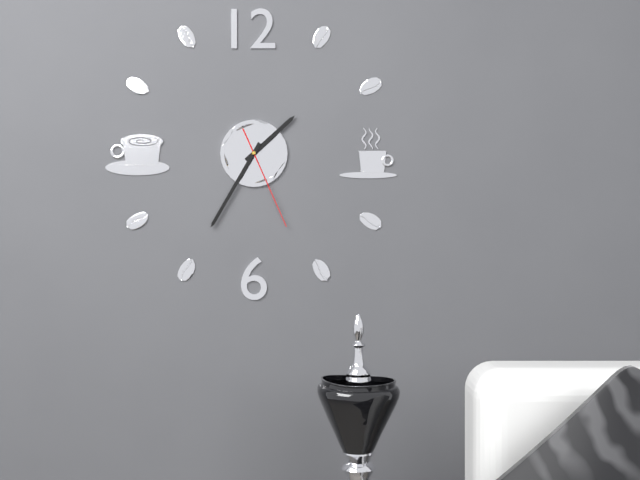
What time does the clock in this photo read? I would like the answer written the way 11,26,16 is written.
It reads 1,35,26
